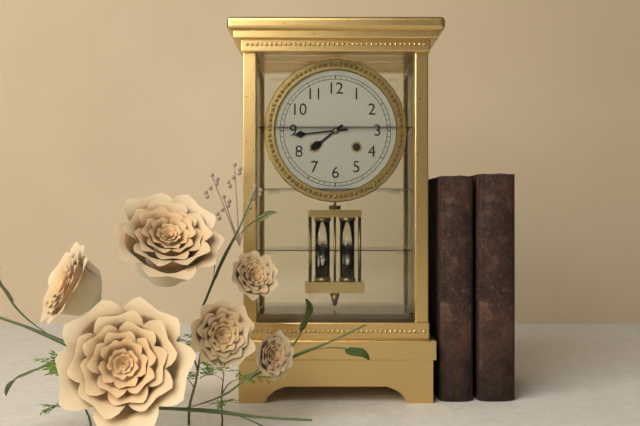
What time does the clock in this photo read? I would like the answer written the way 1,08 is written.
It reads 7,44
